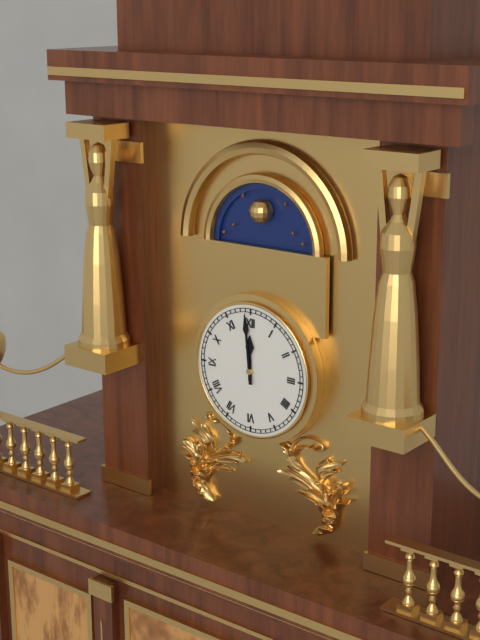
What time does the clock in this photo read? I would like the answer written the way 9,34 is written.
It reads 11,59
